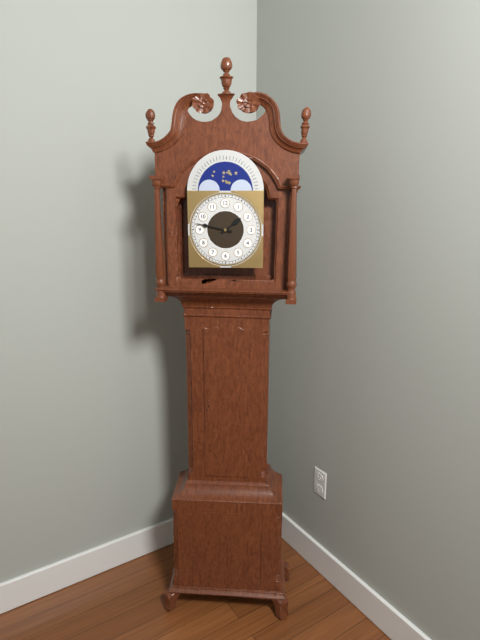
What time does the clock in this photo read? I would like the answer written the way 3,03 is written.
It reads 1,47
